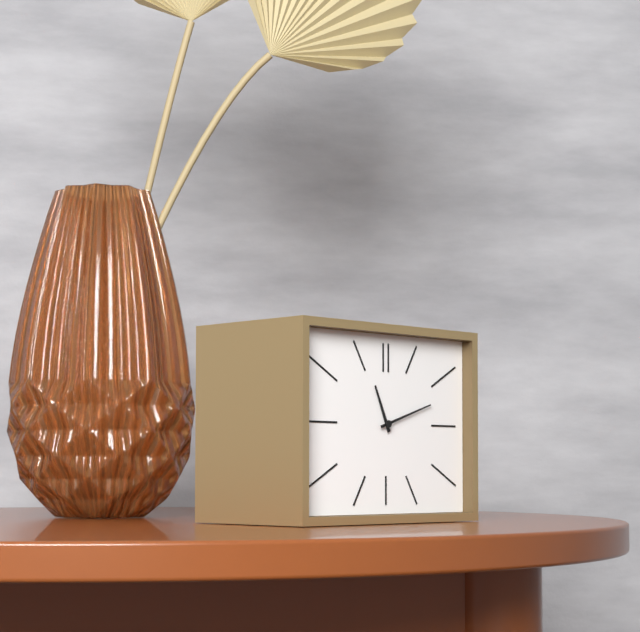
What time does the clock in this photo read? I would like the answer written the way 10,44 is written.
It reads 11,12
